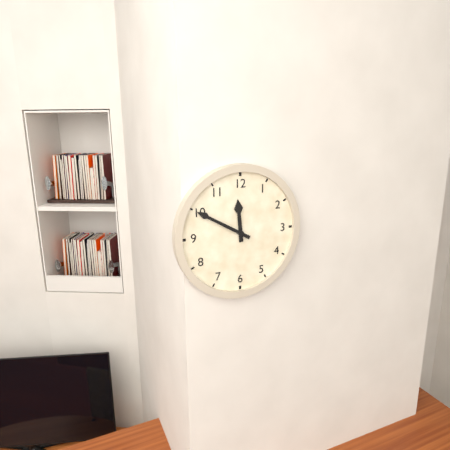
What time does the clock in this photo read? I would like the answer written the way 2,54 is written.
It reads 11,50
